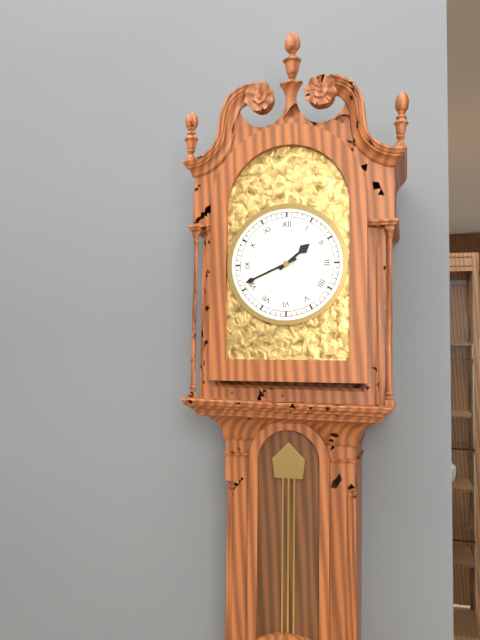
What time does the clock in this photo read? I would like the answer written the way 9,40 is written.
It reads 1,41
